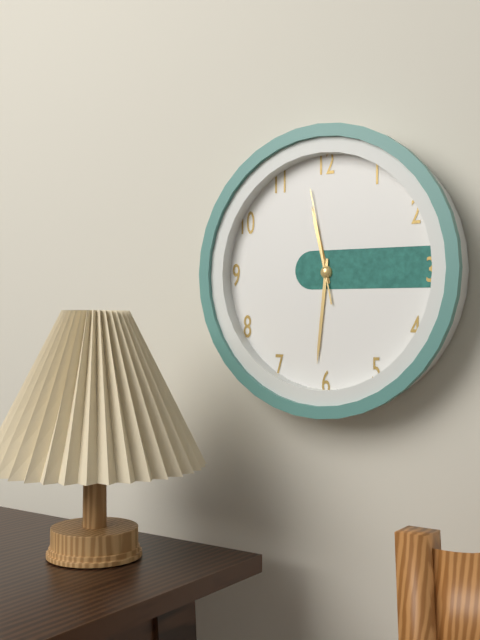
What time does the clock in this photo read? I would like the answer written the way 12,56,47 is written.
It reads 11,31,58
